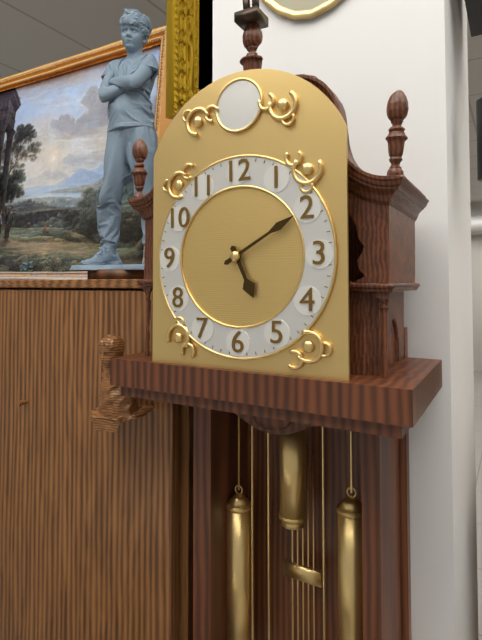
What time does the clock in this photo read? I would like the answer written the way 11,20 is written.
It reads 5,10
